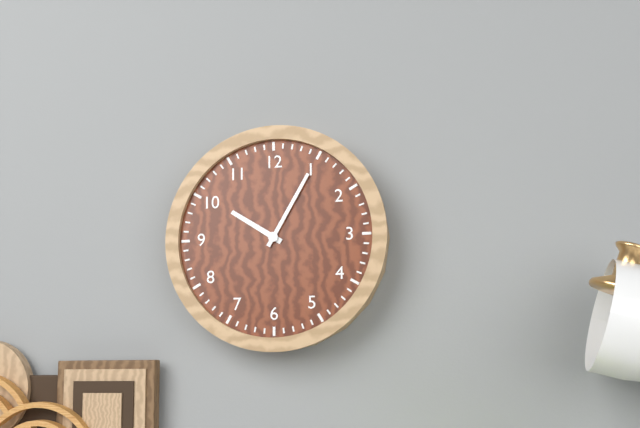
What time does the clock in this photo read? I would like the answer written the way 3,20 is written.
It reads 10,05
